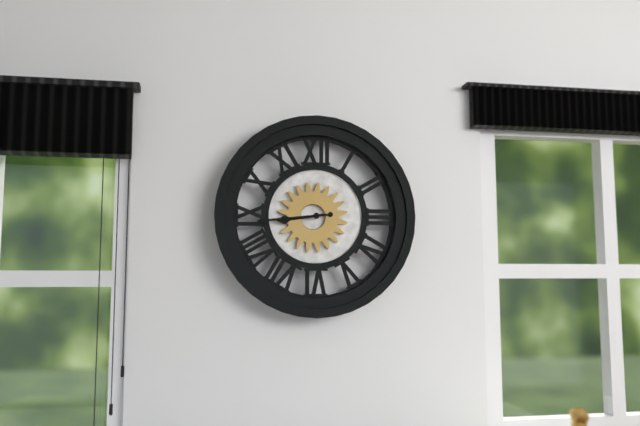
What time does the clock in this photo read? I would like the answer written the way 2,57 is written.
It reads 8,44
